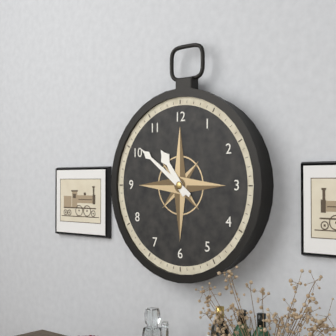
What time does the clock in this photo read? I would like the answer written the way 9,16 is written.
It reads 10,51
